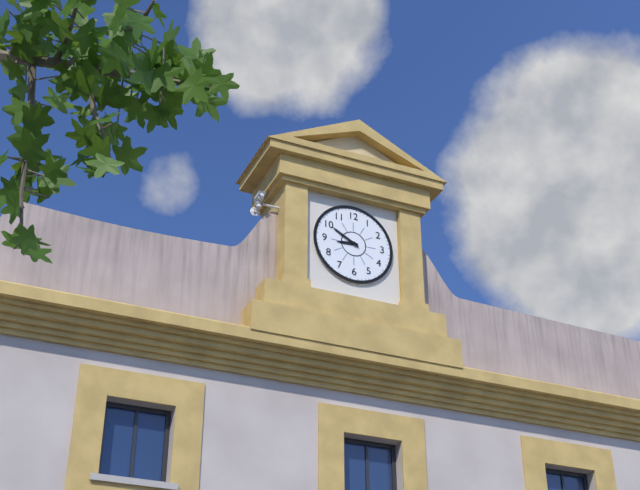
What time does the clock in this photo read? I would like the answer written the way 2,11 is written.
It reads 8,50
